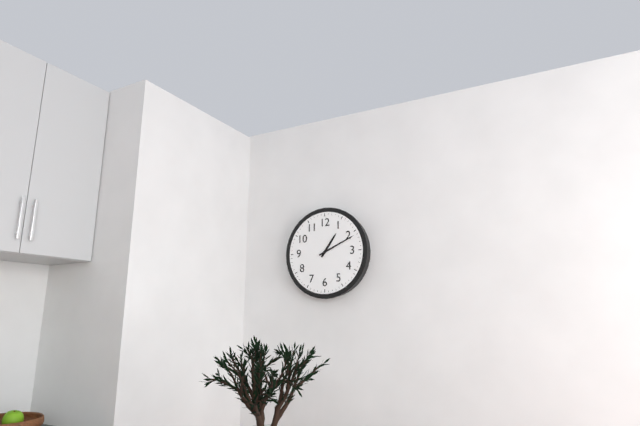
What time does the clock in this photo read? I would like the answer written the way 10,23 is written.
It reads 1,11
